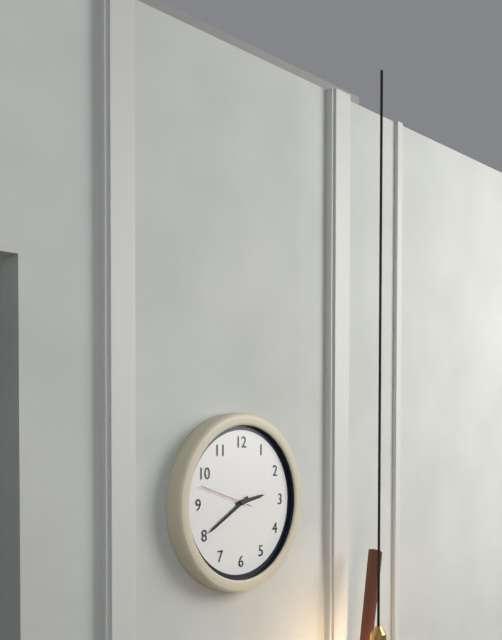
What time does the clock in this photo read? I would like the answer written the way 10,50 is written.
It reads 2,40
